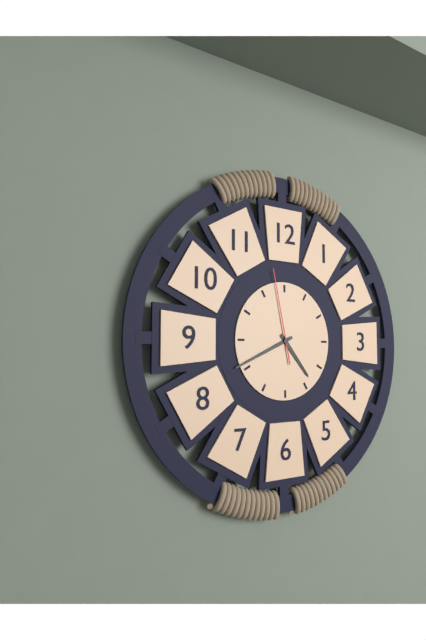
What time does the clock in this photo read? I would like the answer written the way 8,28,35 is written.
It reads 4,41,58
